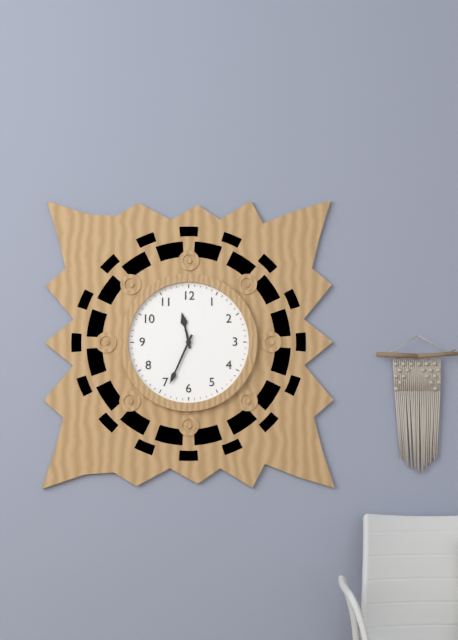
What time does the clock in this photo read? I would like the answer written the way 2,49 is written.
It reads 11,34
